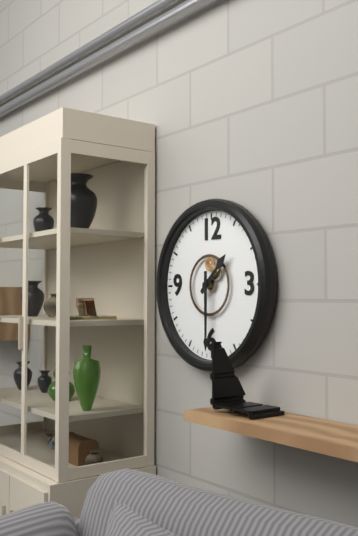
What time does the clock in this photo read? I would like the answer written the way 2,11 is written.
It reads 1,30
